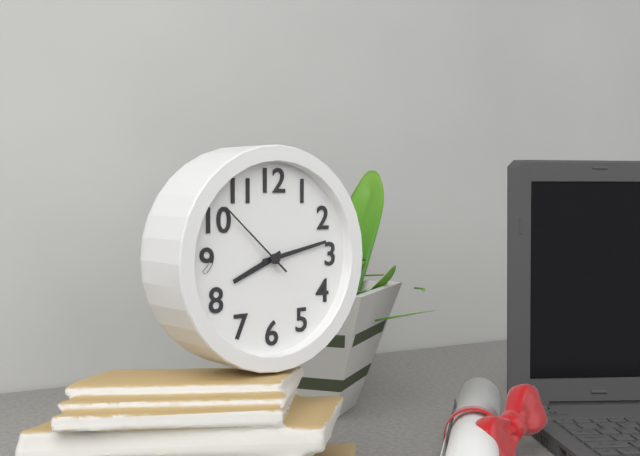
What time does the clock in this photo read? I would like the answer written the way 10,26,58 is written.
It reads 8,13,52
